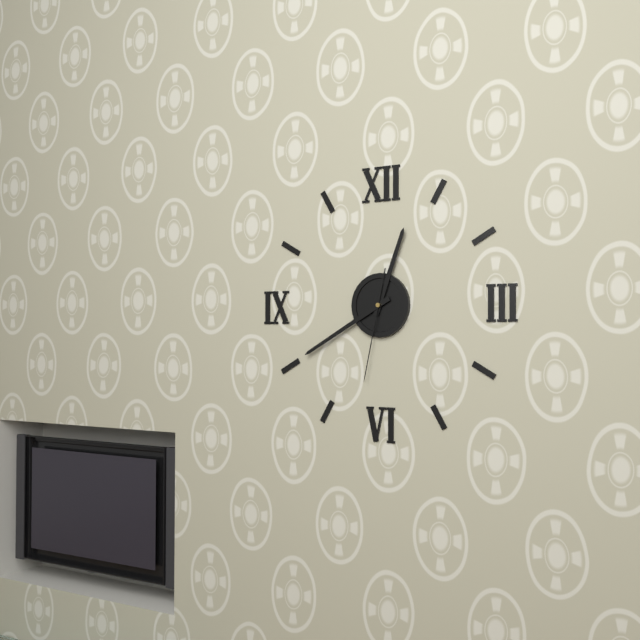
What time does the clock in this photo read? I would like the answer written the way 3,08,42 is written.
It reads 12,40,32
